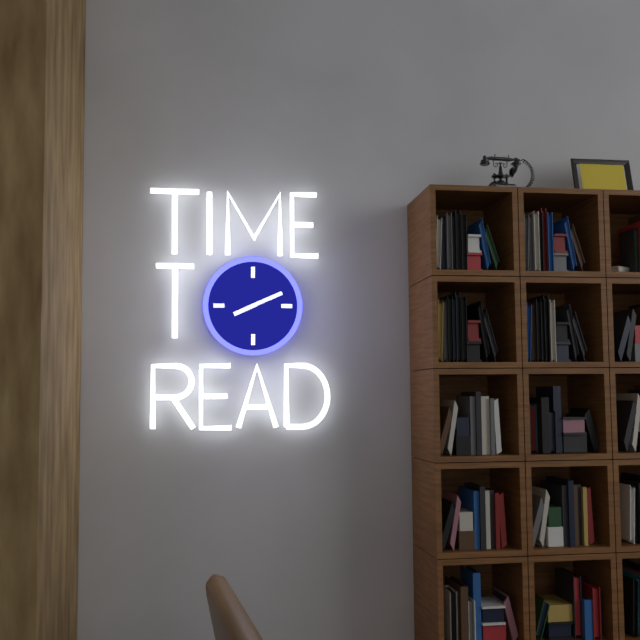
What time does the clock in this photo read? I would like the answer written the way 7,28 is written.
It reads 8,11
